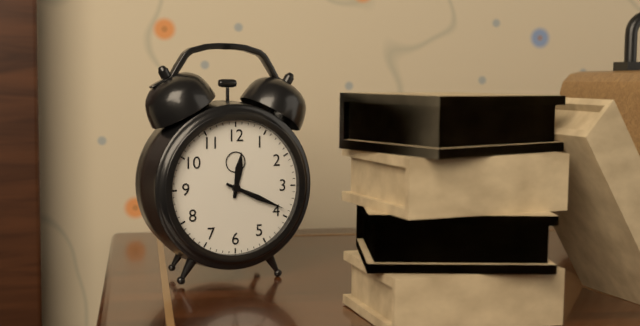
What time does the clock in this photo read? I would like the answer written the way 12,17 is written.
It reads 12,19
